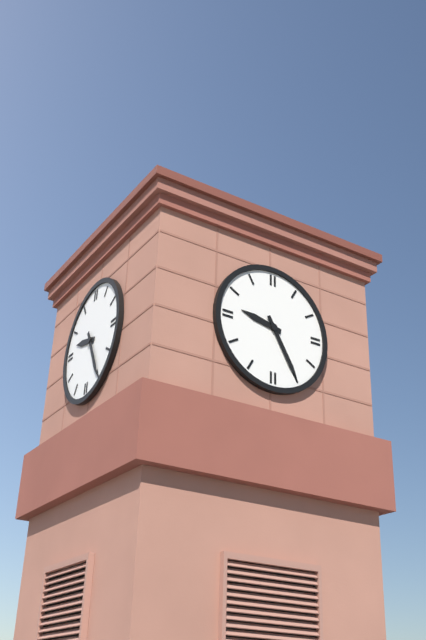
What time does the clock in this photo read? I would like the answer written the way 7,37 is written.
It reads 9,25
